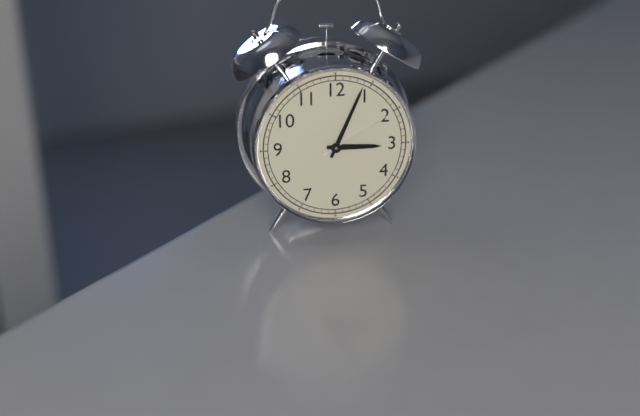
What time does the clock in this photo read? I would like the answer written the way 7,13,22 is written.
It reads 3,04,10
